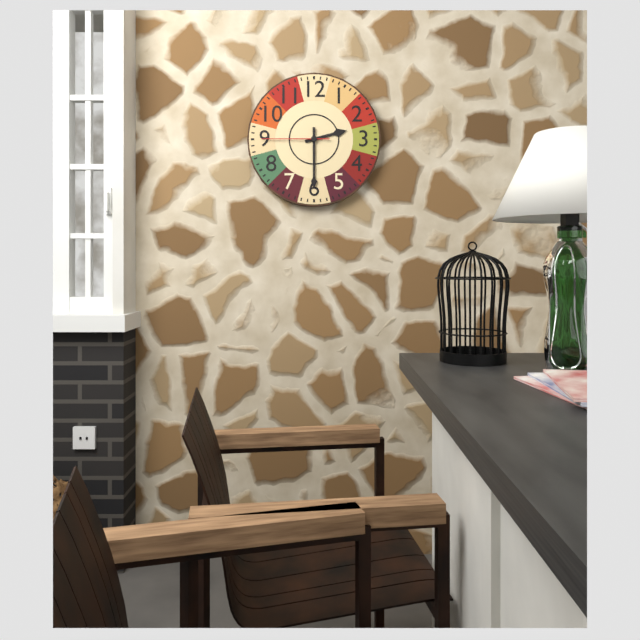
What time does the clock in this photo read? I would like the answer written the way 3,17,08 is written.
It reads 2,30,45
